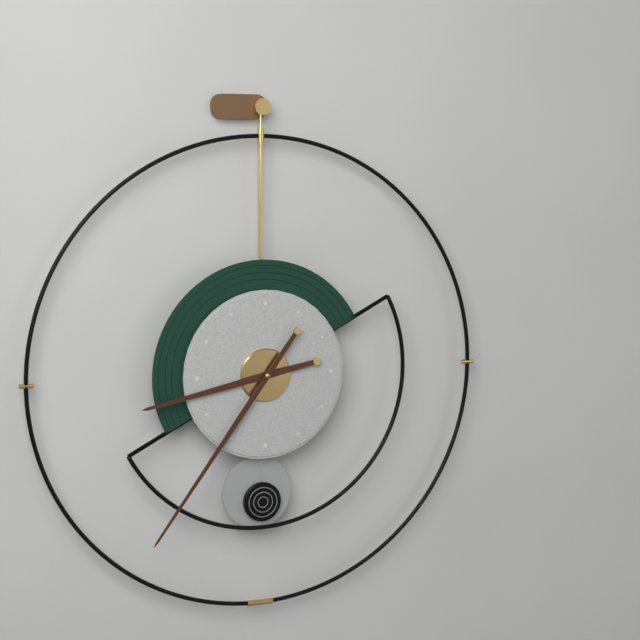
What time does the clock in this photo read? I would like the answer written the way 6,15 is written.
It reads 8,36
